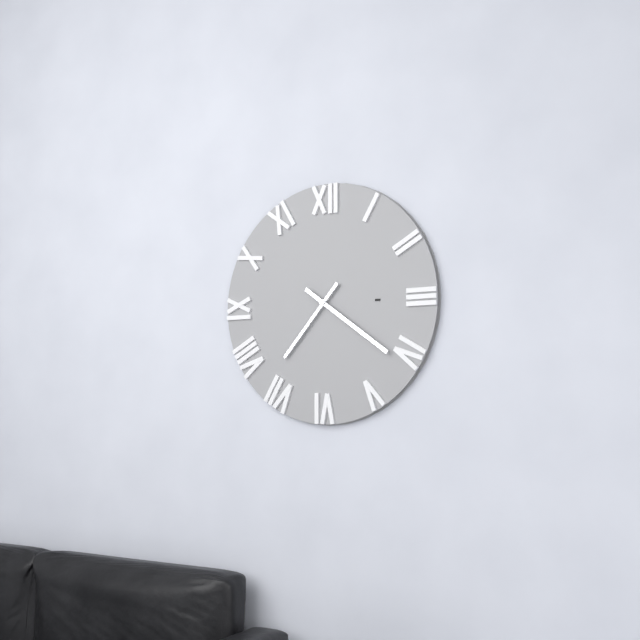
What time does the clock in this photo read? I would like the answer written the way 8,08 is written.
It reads 7,21
